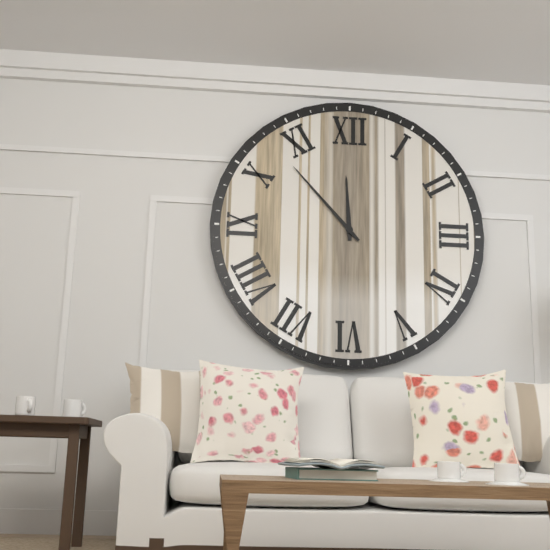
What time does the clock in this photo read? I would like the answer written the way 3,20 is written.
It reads 11,53
